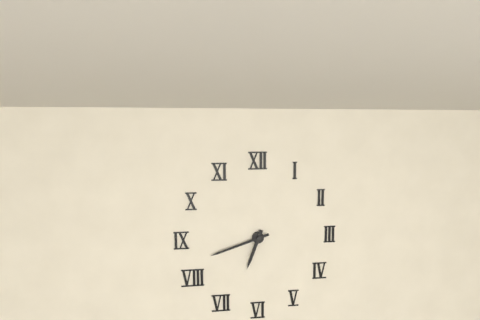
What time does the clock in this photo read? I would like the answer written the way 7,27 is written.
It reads 6,42
